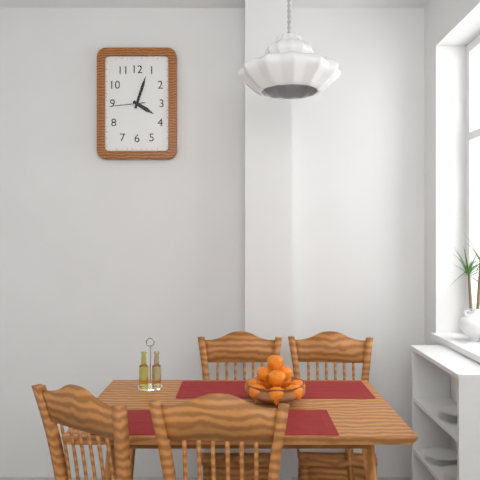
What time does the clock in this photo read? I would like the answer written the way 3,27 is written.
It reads 4,03
